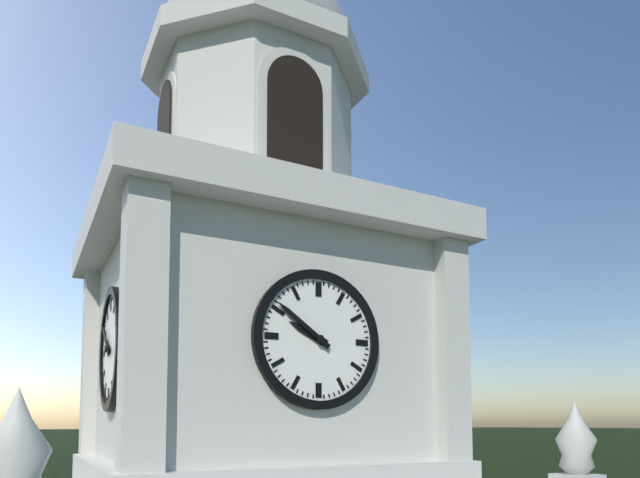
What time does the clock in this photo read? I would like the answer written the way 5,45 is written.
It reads 9,51
